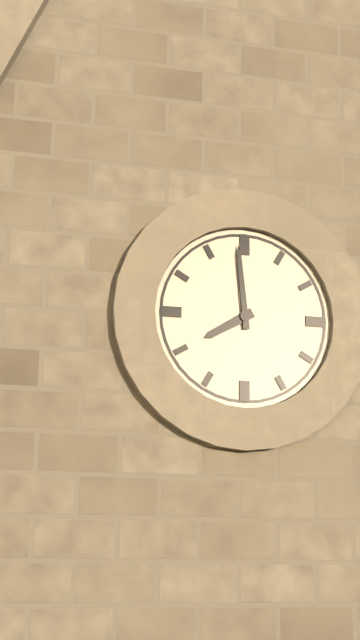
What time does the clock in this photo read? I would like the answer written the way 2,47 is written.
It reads 7,59
